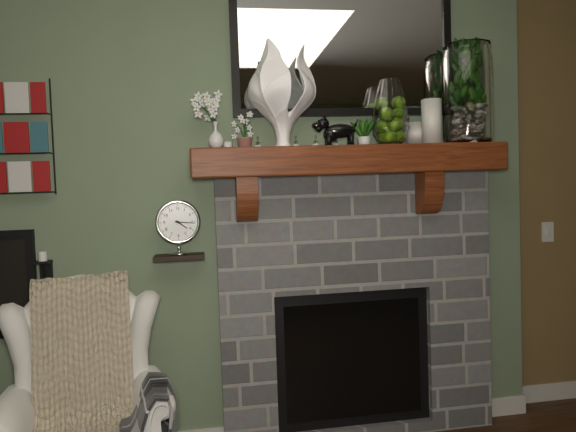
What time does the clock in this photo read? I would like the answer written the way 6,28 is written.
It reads 4,16
